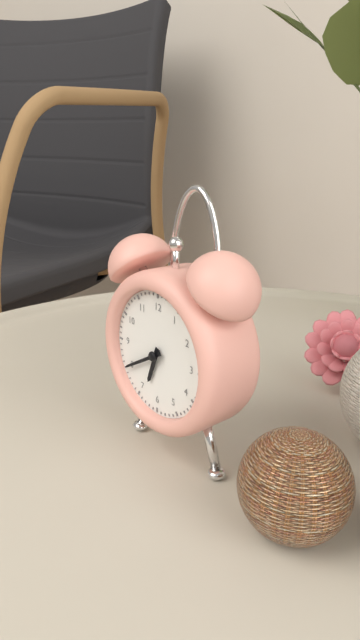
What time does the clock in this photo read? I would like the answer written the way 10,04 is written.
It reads 6,40
